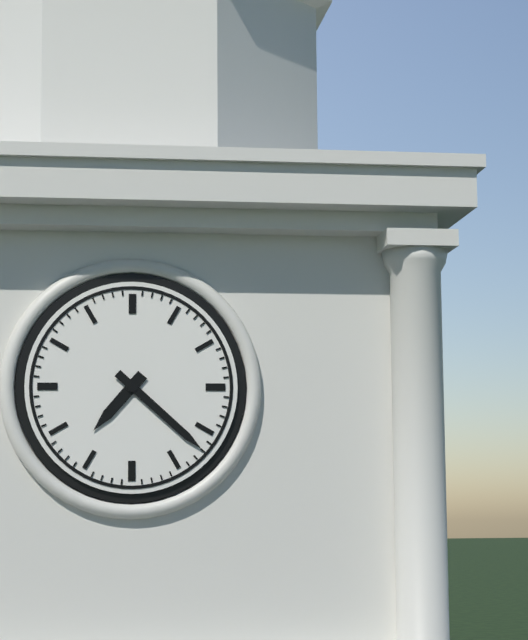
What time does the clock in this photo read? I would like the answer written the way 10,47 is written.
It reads 7,22
